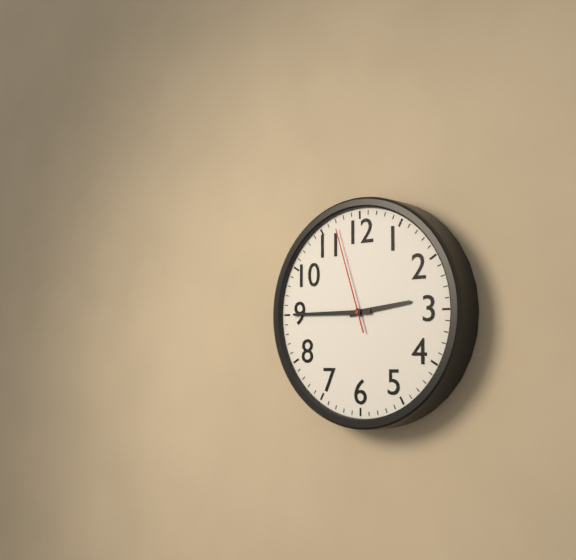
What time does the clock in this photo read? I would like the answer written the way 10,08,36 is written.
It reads 2,45,57
